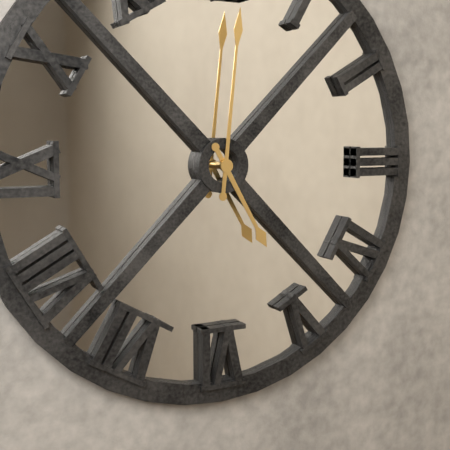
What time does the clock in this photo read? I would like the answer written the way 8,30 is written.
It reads 5,01
